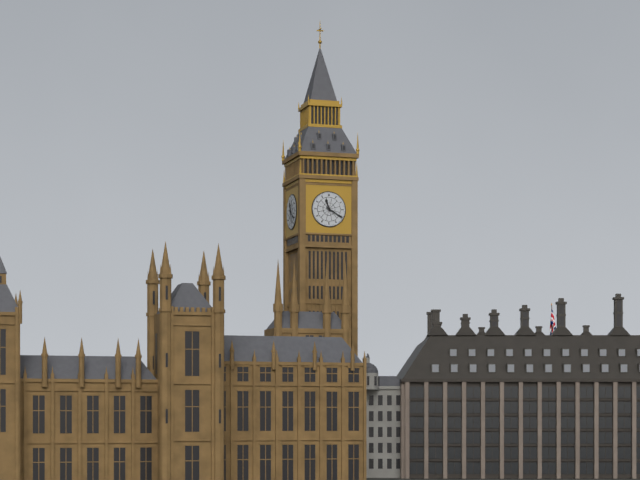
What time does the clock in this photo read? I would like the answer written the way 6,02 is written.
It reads 11,20
